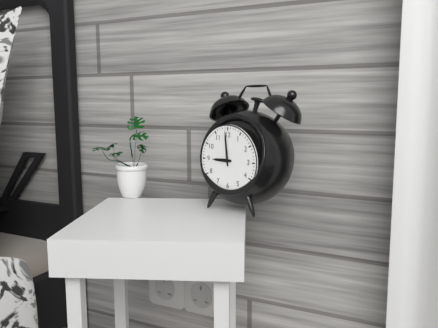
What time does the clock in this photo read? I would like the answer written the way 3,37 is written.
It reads 8,59
